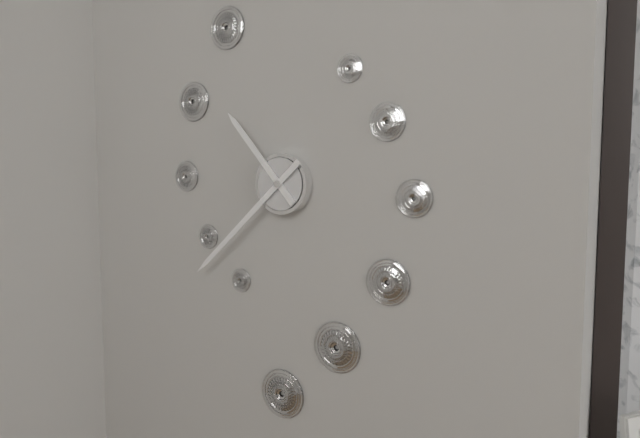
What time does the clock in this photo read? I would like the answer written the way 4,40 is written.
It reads 10,38
